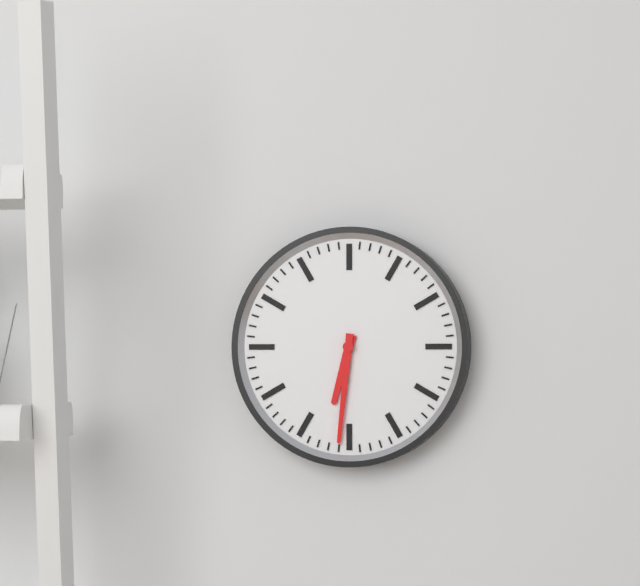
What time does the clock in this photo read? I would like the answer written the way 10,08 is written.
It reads 6,31
